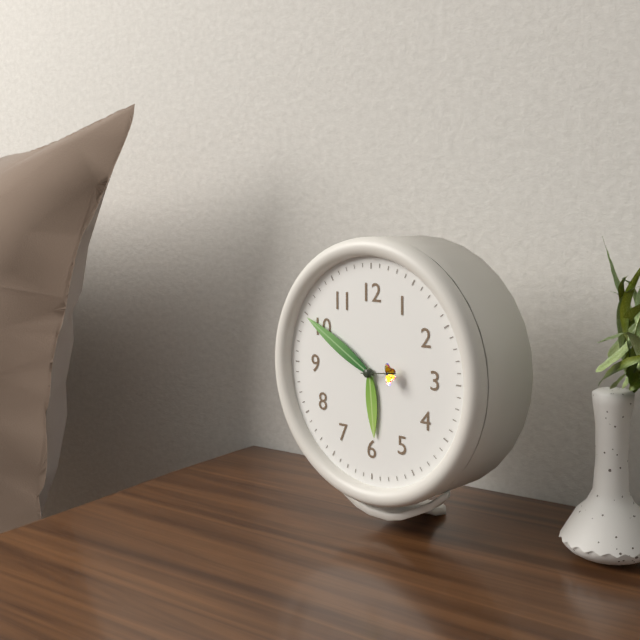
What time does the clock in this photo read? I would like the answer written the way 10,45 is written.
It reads 5,50
